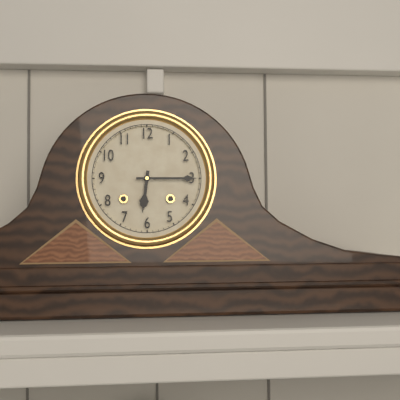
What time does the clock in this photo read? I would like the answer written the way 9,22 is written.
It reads 6,15
